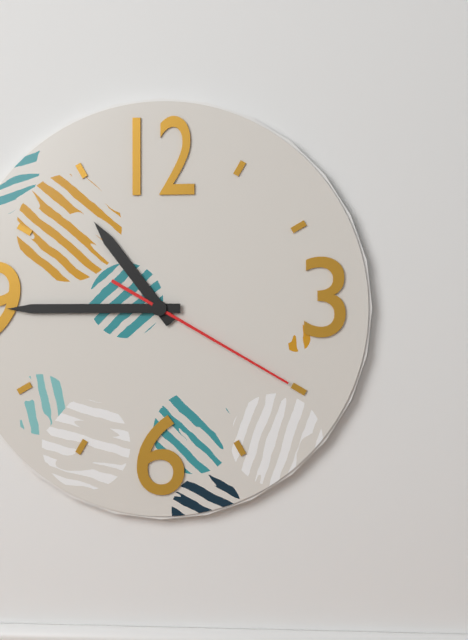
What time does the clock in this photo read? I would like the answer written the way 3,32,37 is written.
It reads 10,45,20
